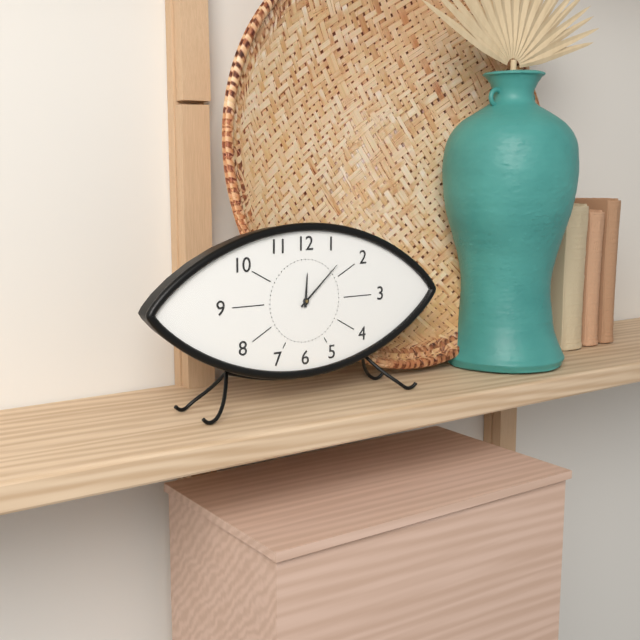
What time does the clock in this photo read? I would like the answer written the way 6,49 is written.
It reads 12,08
